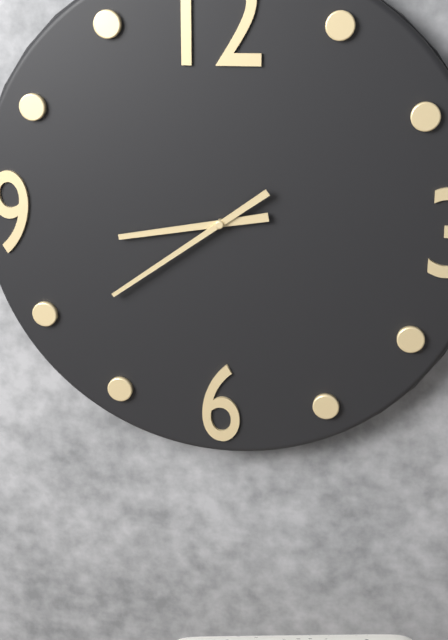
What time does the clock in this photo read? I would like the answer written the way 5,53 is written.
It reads 8,39
